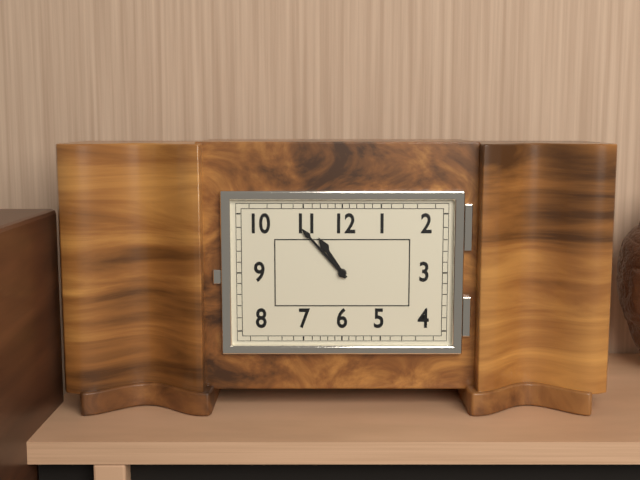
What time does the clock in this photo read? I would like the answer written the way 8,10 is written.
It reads 10,53
